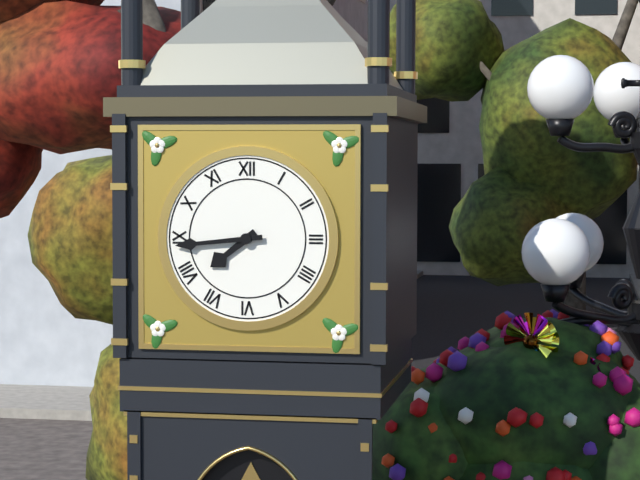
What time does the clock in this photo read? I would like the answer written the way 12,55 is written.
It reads 7,44
